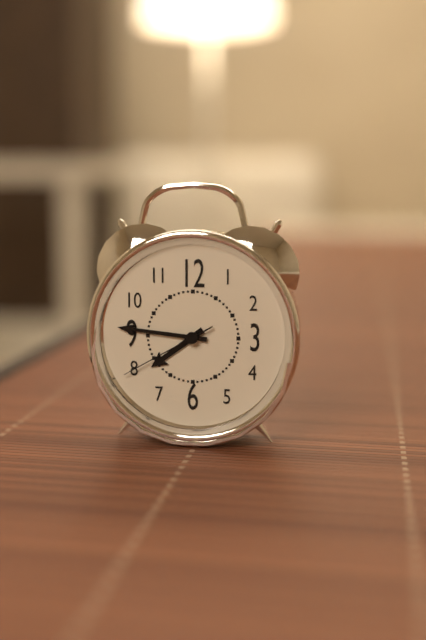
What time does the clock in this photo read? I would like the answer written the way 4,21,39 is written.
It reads 7,46,40
